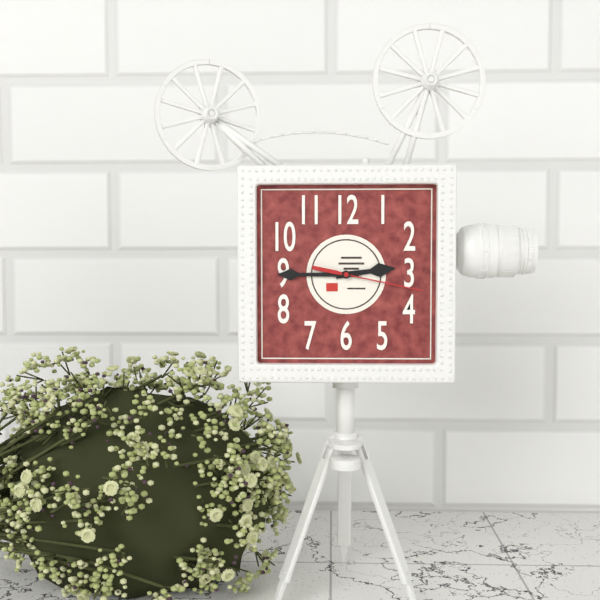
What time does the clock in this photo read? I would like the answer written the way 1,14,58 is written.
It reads 2,45,17
